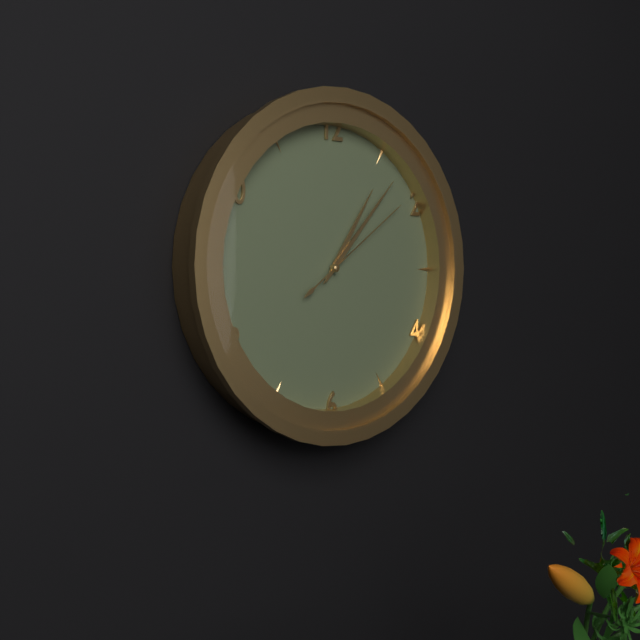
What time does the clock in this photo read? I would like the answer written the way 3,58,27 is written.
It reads 1,07,09
